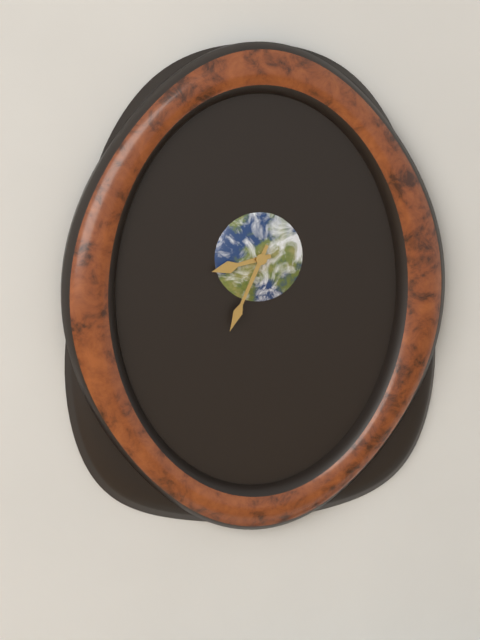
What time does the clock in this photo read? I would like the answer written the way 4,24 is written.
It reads 8,34
